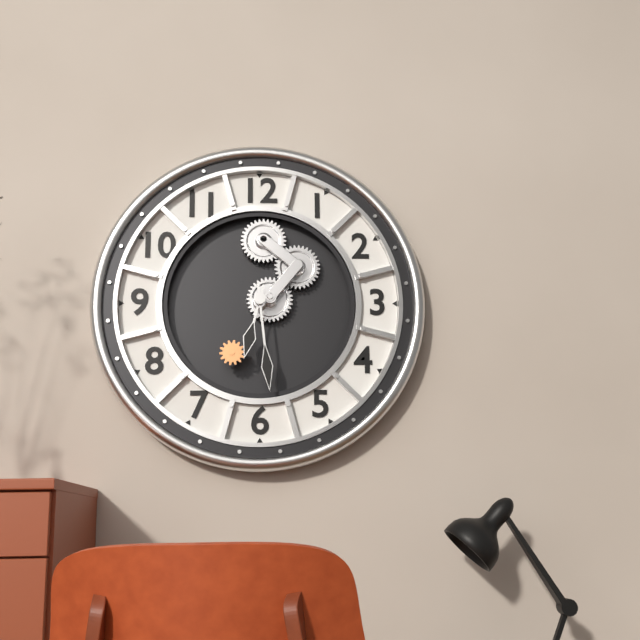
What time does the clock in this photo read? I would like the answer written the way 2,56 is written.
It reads 6,29
